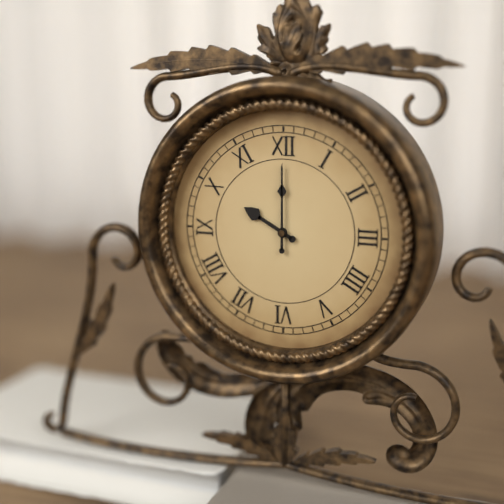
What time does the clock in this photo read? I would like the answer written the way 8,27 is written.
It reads 10,00
